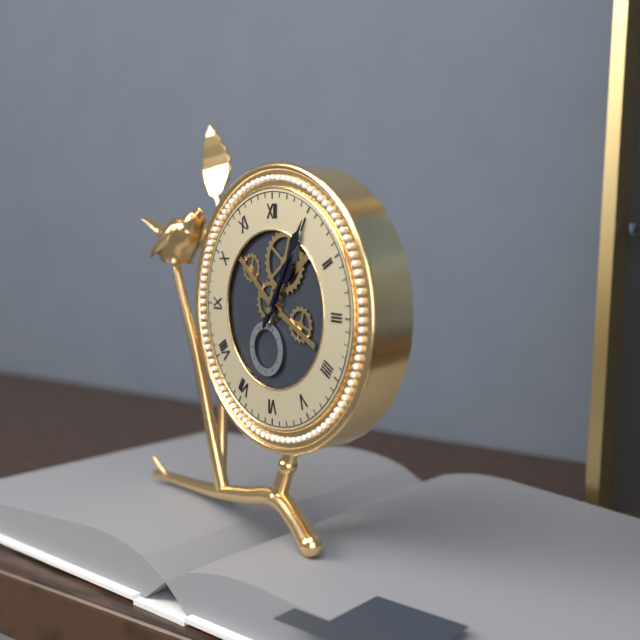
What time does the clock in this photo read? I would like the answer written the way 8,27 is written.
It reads 1,05
